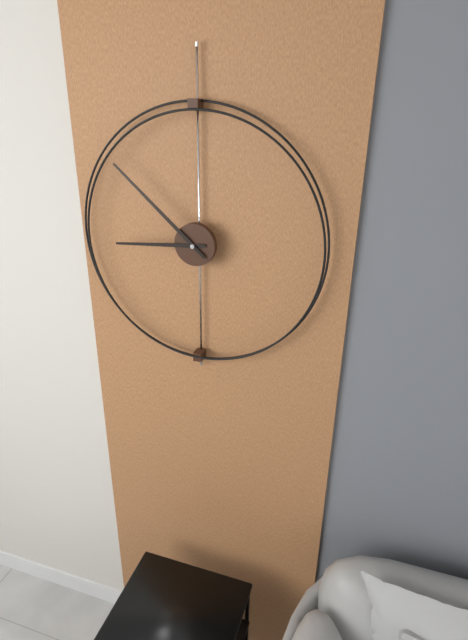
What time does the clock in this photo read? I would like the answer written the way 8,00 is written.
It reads 8,52
